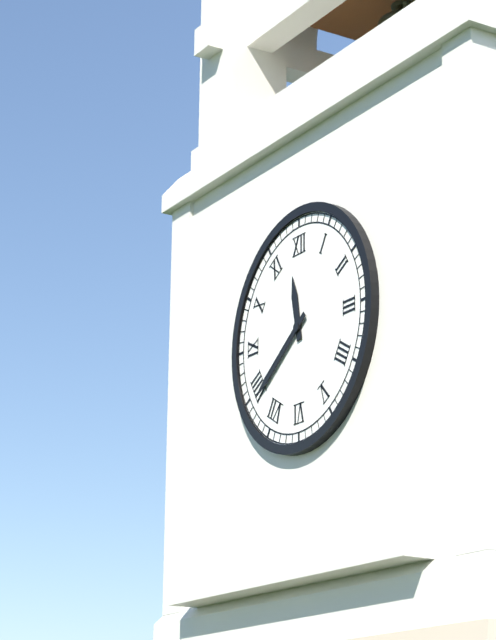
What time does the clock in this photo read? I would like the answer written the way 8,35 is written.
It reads 11,39
